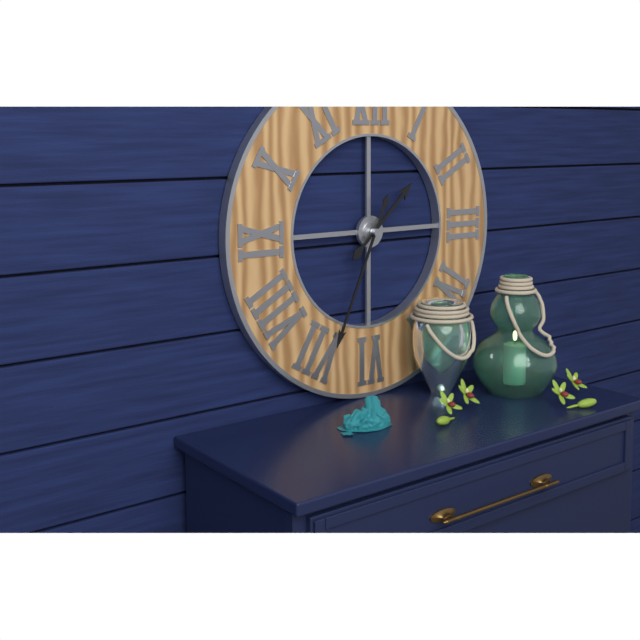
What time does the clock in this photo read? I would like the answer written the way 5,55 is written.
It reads 1,34
